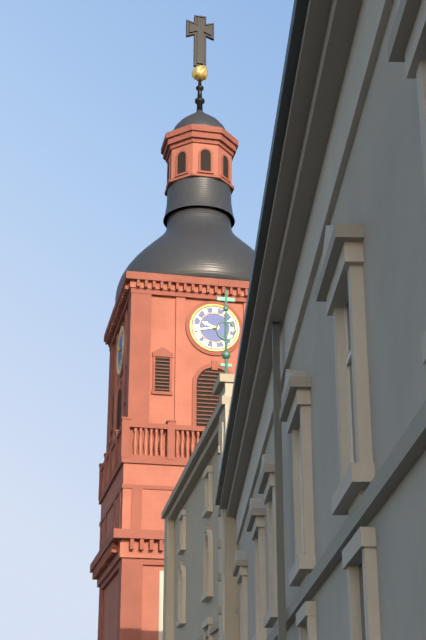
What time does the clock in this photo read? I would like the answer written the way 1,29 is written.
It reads 9,43
